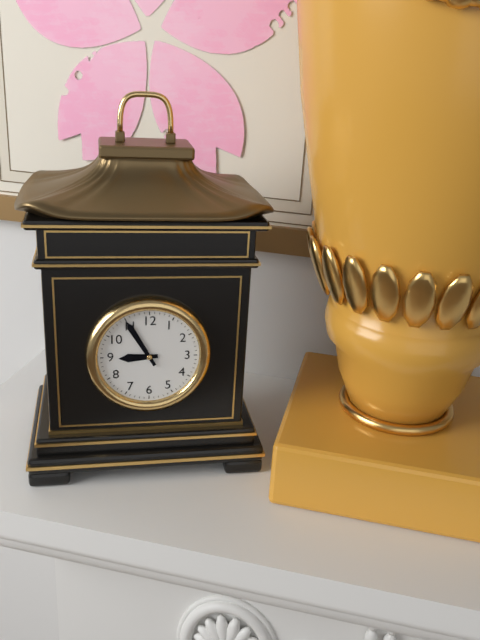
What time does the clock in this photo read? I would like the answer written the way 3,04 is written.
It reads 8,55
